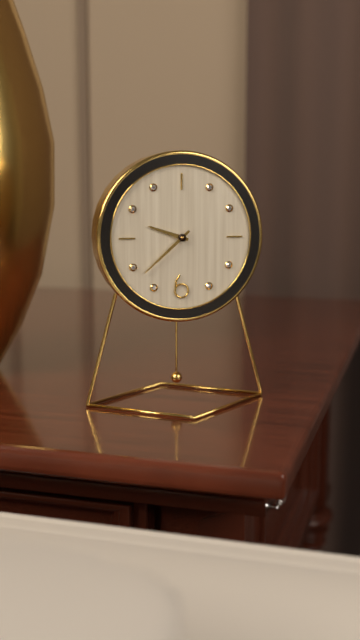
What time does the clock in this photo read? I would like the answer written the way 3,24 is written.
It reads 9,38
